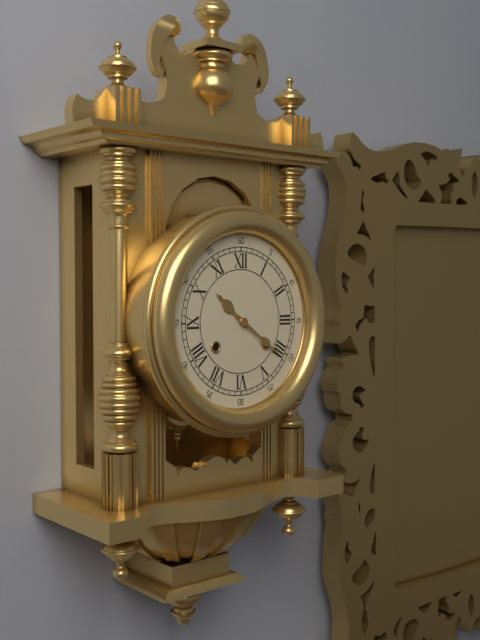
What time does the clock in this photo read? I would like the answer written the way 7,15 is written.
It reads 10,21
